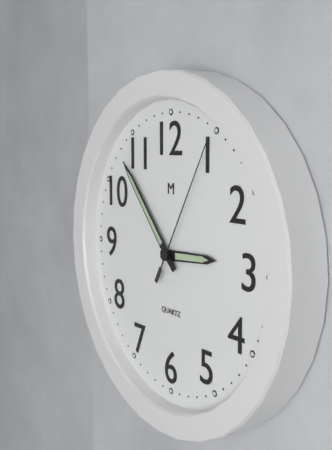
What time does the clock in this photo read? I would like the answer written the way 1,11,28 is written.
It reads 2,53,05
